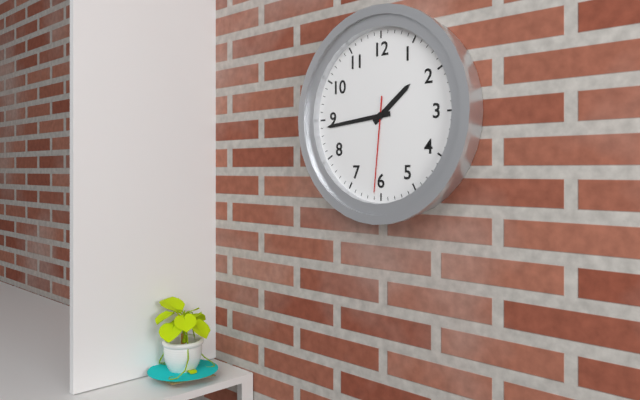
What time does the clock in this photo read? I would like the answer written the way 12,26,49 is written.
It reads 1,44,31
